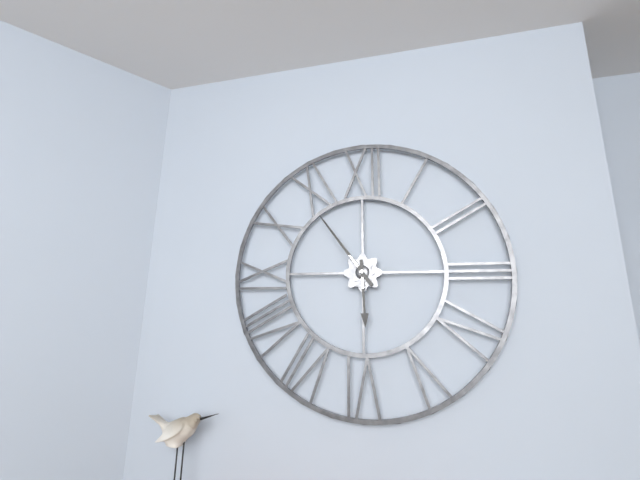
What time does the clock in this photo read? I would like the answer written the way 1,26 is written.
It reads 5,54
